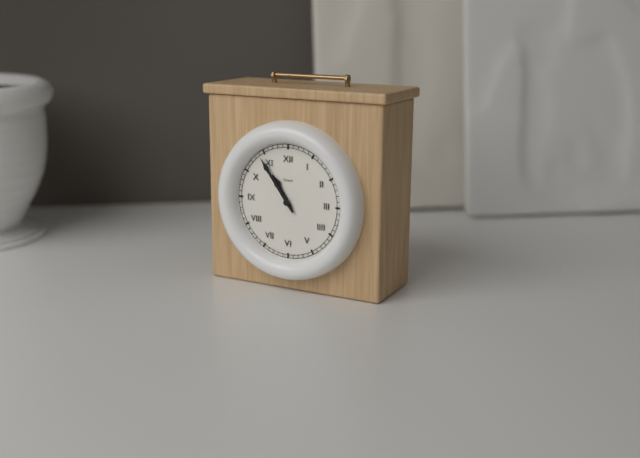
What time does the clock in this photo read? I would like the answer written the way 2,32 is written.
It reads 10,54
